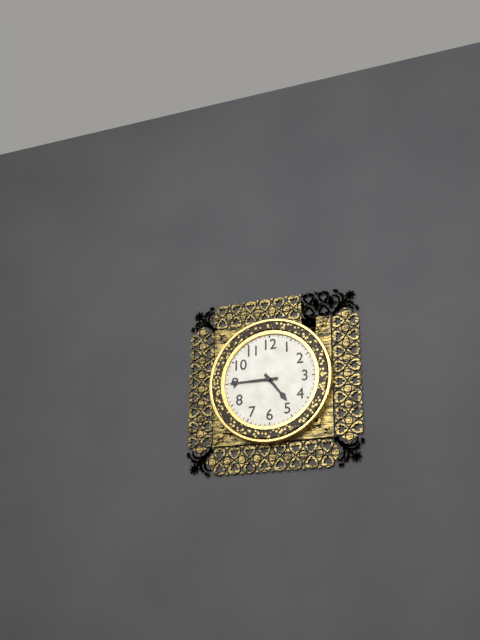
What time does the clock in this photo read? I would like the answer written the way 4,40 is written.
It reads 4,45
